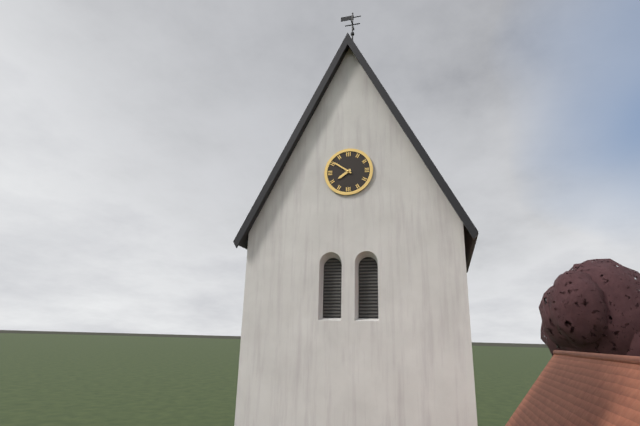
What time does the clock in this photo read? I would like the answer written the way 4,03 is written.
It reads 7,51
